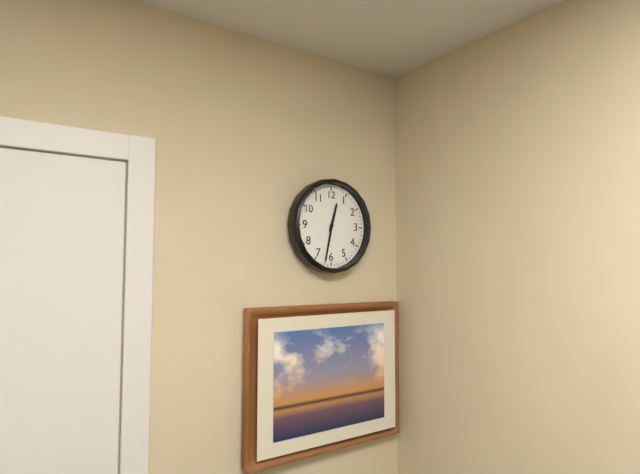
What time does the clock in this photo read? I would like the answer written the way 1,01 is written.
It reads 12,32
